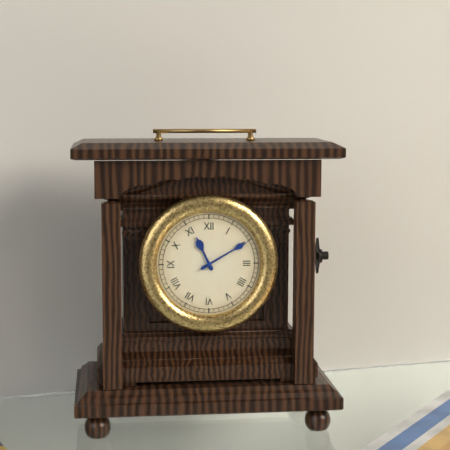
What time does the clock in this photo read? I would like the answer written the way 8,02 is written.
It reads 11,10
